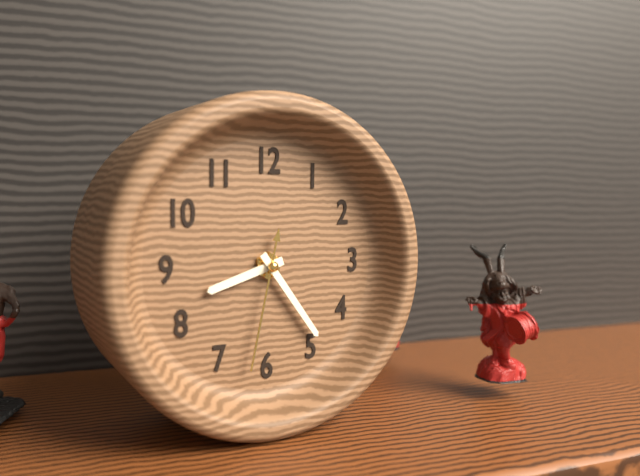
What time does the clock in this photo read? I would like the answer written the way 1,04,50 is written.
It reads 8,24,32
